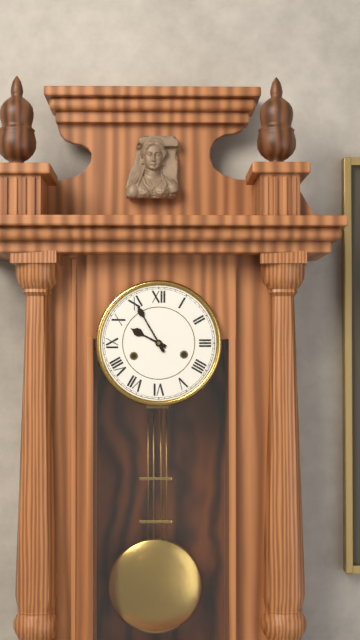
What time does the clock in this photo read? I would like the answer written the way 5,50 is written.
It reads 9,55
